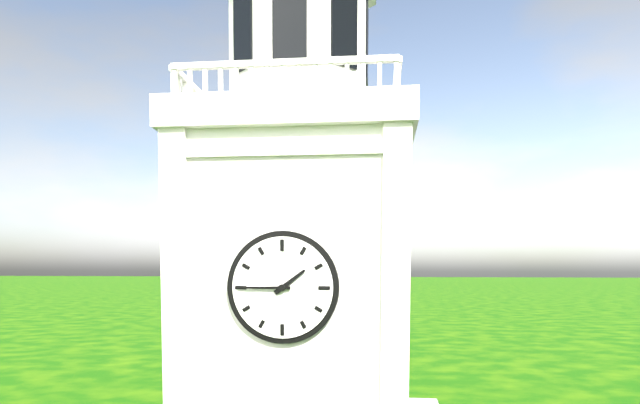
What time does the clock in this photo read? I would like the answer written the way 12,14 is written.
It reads 1,45
